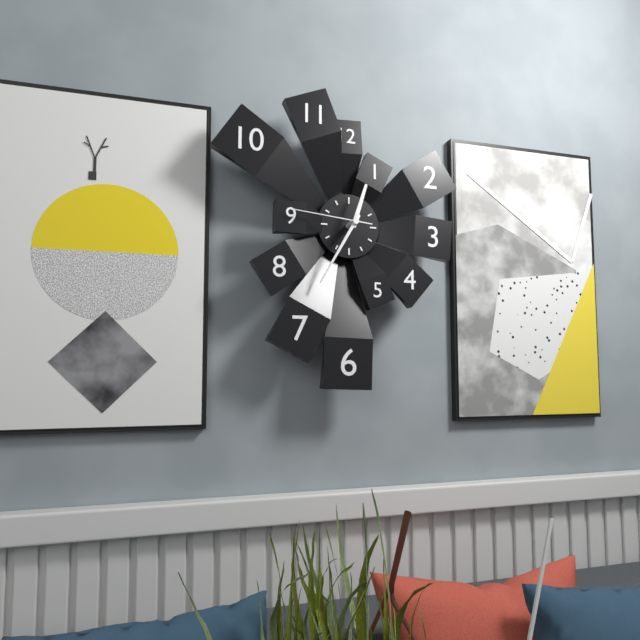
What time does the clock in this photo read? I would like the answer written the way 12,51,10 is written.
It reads 12,35,46
